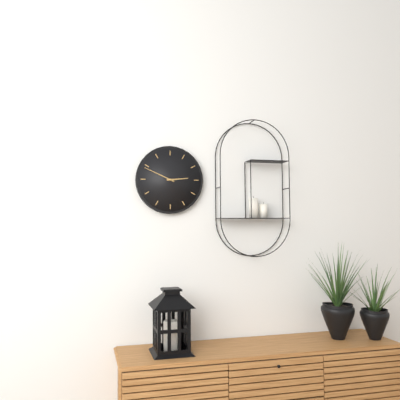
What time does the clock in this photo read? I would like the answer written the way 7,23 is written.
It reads 2,49
